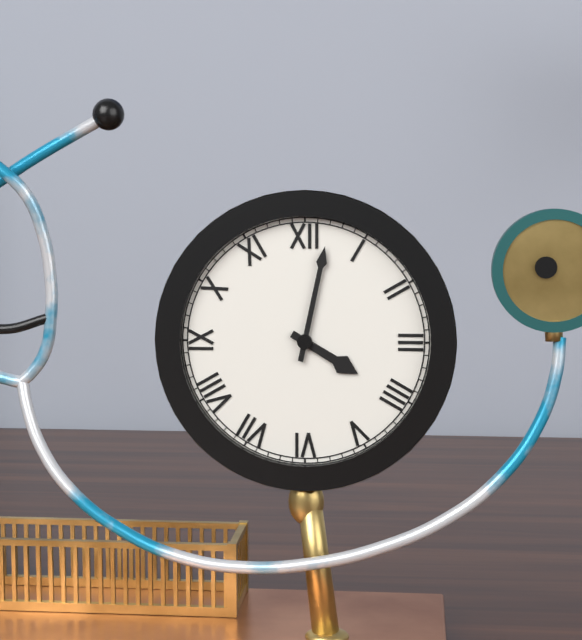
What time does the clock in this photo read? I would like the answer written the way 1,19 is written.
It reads 4,02
